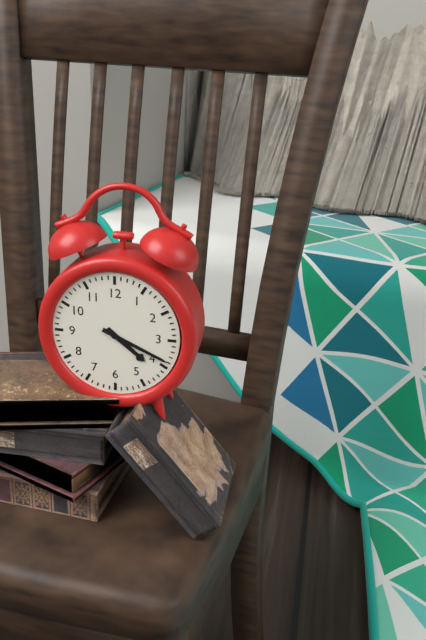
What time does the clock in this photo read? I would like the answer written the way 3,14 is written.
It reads 4,19
